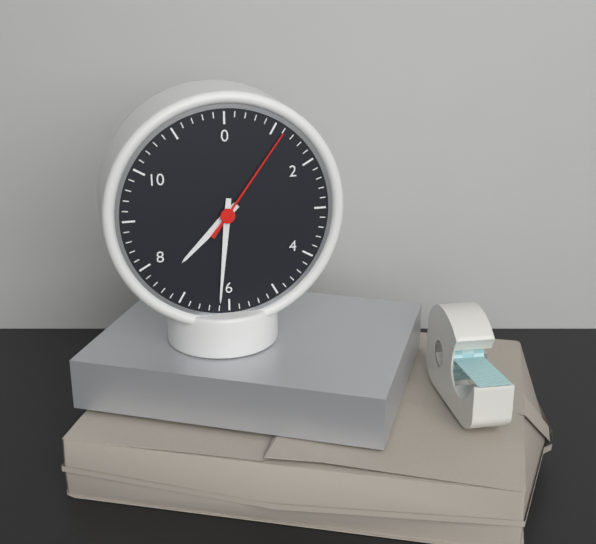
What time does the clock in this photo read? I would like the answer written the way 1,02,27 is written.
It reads 7,31,06
